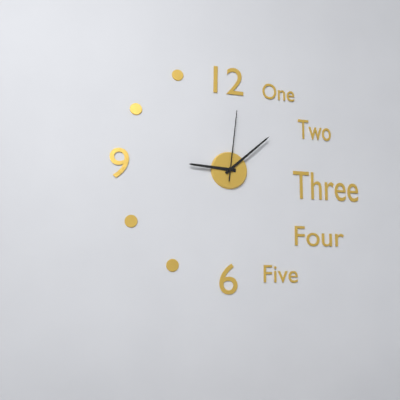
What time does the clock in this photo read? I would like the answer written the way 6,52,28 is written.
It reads 9,08,01
